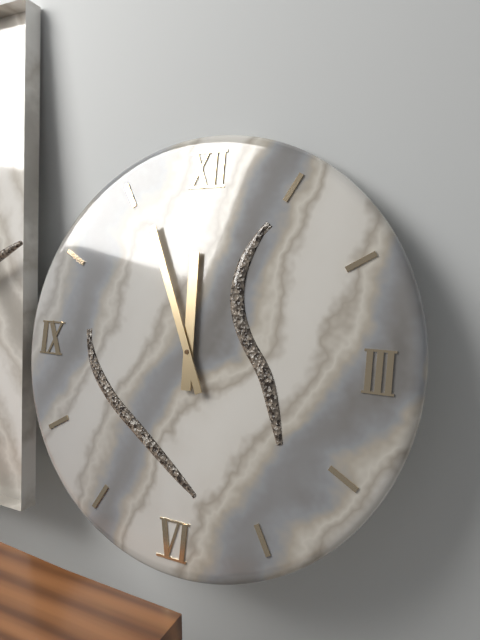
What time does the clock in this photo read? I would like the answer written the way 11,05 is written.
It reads 11,56
